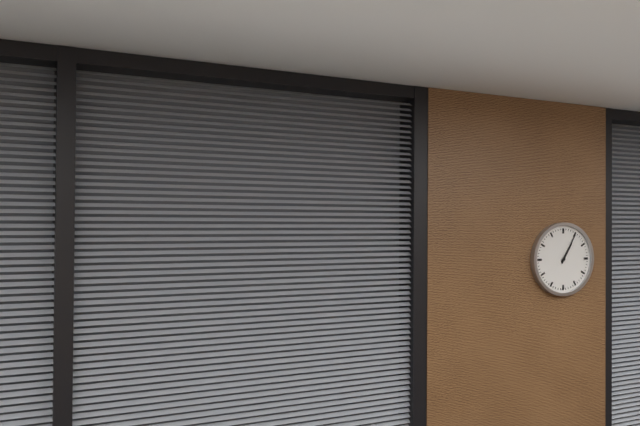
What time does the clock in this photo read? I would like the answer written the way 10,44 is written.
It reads 1,05
